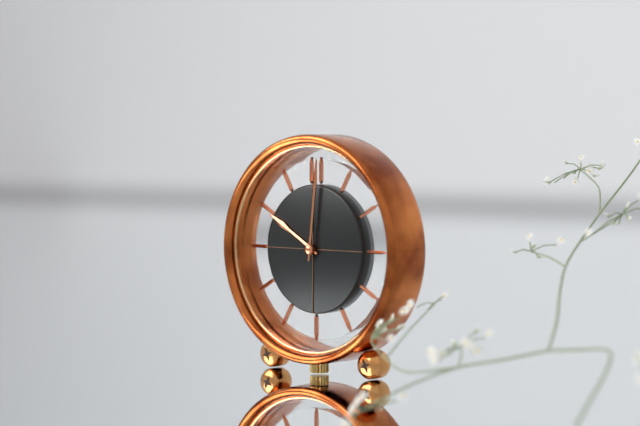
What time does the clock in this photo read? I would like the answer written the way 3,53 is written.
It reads 10,01
